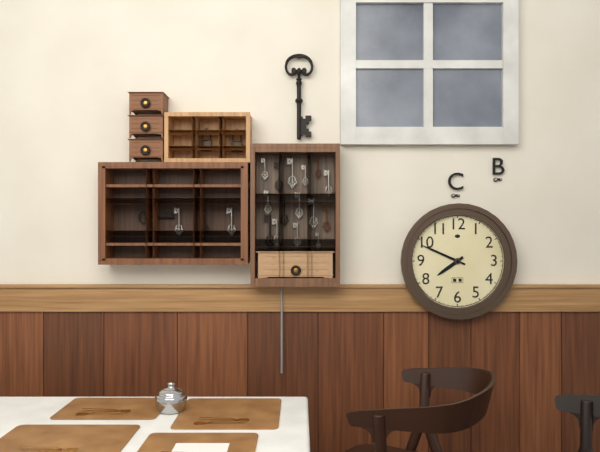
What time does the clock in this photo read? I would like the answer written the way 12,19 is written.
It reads 7,49
